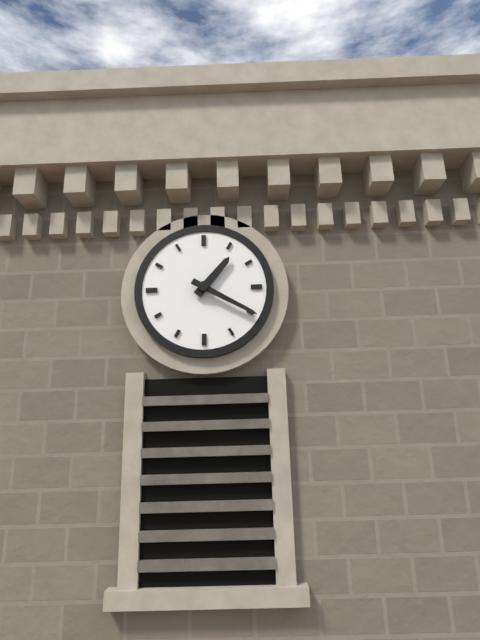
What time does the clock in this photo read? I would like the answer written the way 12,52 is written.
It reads 1,20
